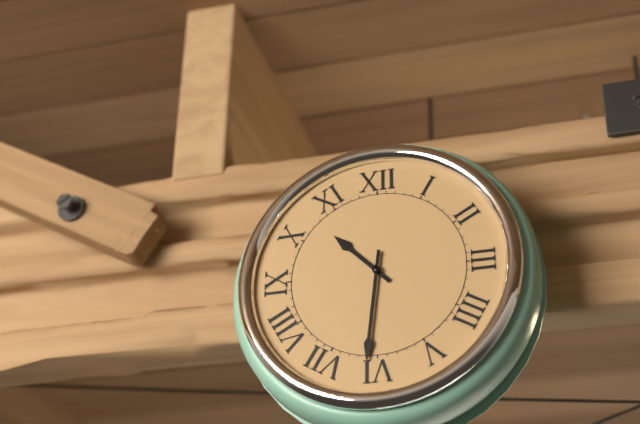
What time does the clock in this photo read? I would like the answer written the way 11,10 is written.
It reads 10,31
